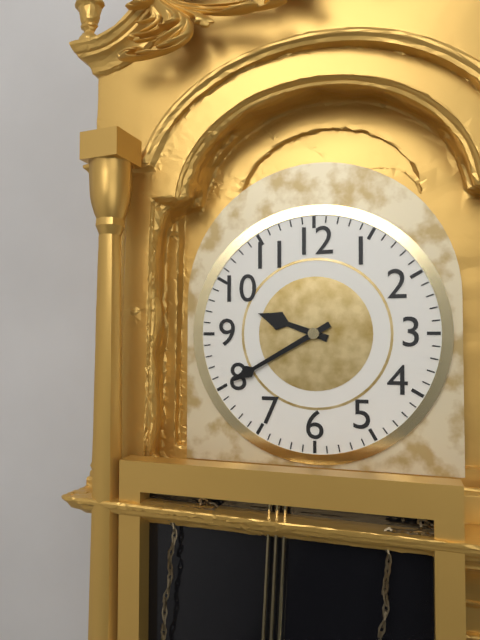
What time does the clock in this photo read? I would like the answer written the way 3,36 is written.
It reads 9,40
